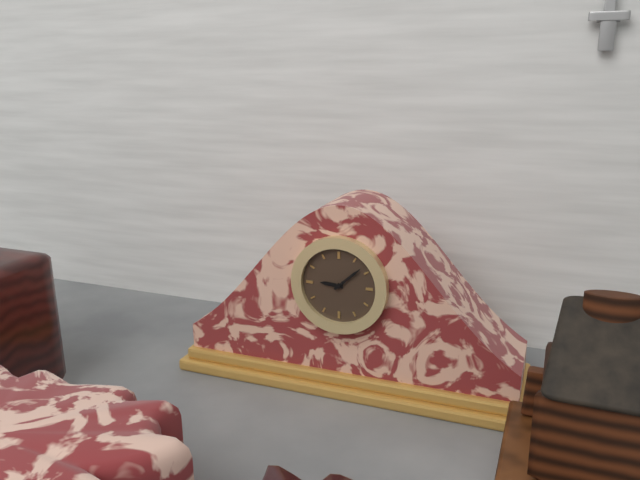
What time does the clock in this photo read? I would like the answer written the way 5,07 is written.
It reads 9,08
